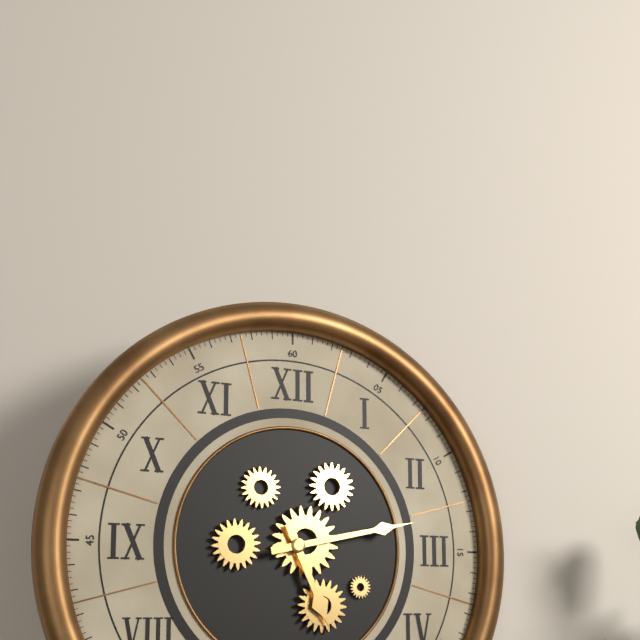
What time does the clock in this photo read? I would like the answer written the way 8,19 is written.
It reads 5,13
